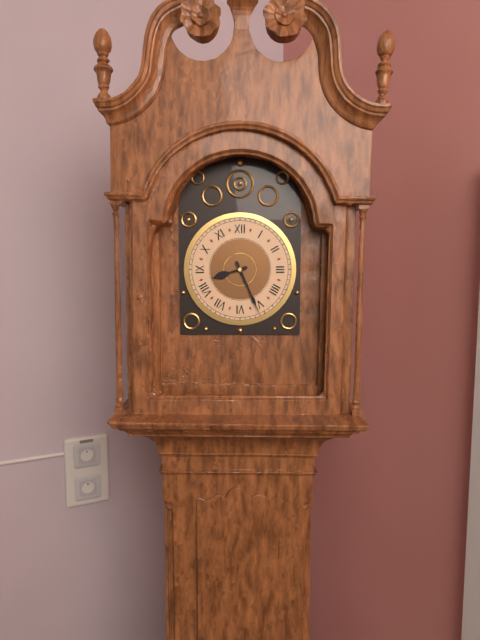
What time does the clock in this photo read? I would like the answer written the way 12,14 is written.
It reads 8,26
